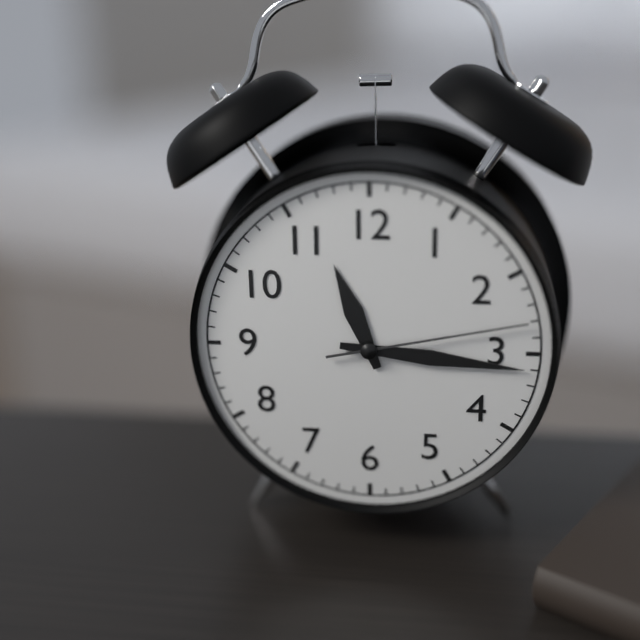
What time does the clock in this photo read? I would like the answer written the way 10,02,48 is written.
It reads 11,16,13
